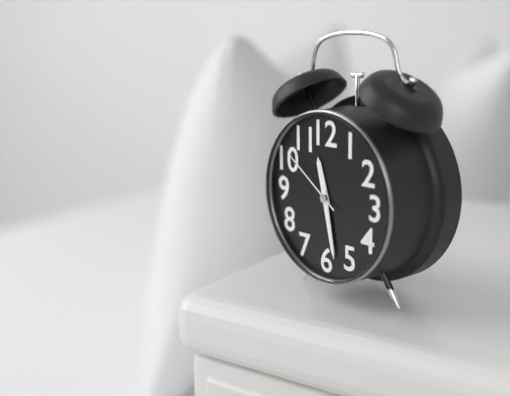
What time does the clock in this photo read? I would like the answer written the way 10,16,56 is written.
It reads 11,28,51
